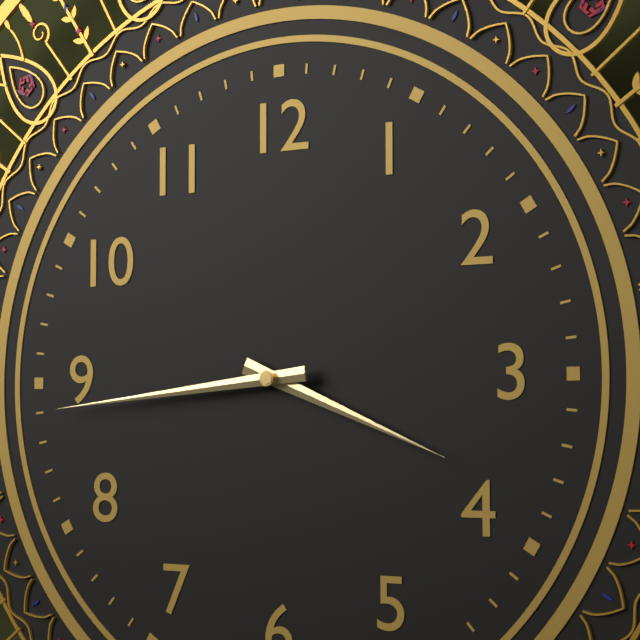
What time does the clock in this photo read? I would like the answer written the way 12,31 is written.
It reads 3,44
